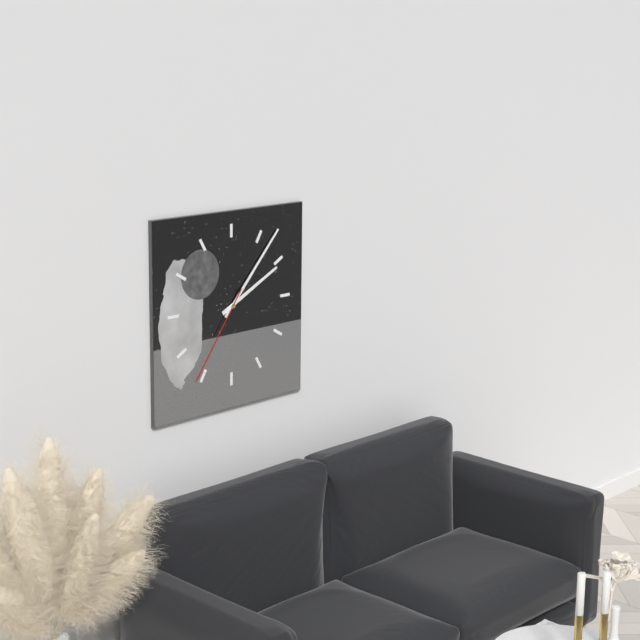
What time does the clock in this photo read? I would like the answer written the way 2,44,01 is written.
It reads 2,07,36
